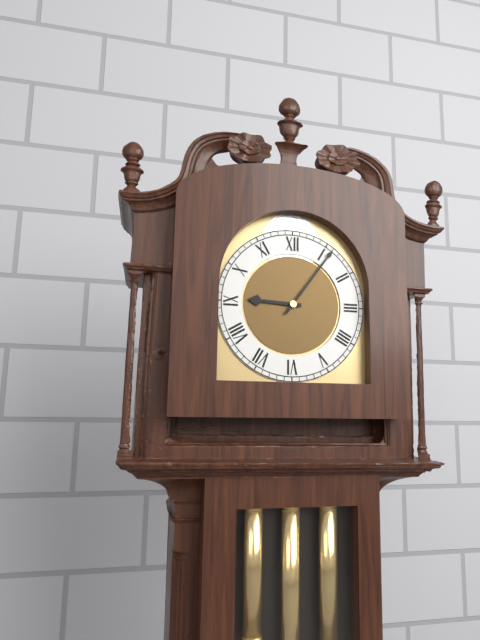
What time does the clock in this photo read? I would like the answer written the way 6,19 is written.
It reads 9,06
